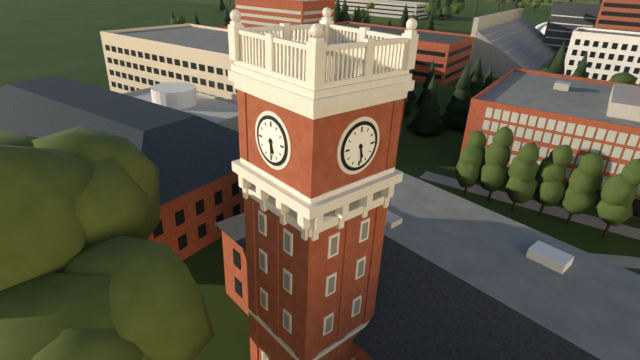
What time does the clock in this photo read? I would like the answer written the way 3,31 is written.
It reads 5,29
